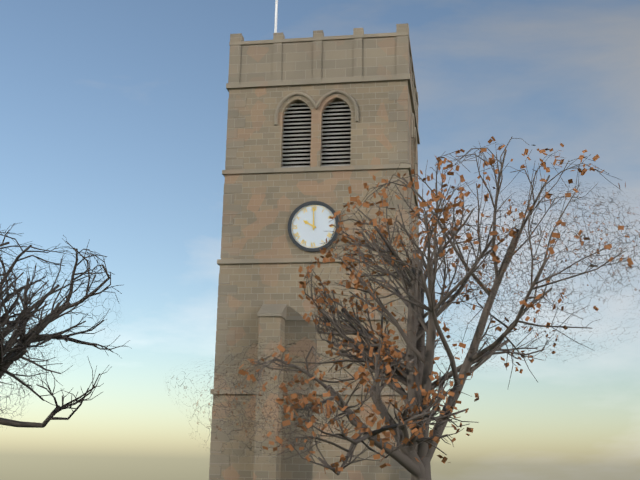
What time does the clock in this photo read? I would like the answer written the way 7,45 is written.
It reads 10,00
